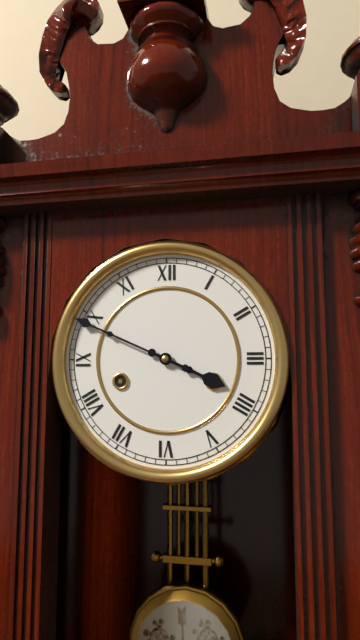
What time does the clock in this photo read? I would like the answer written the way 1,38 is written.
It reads 3,49
